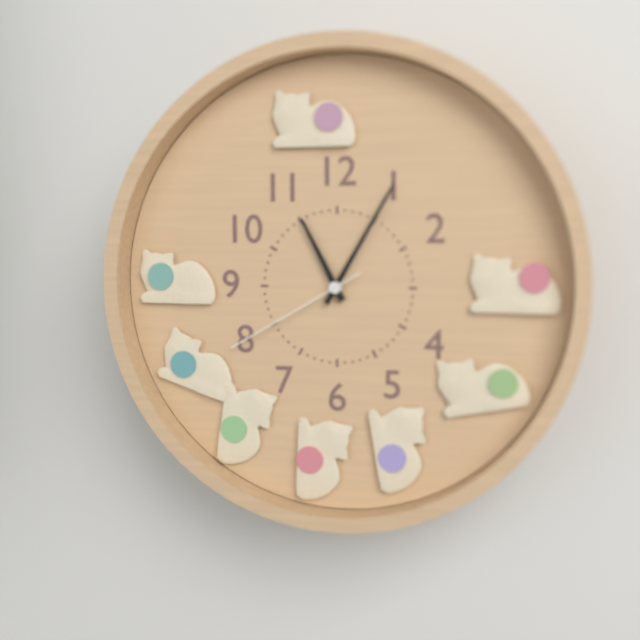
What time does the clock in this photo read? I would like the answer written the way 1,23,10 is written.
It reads 11,05,40
